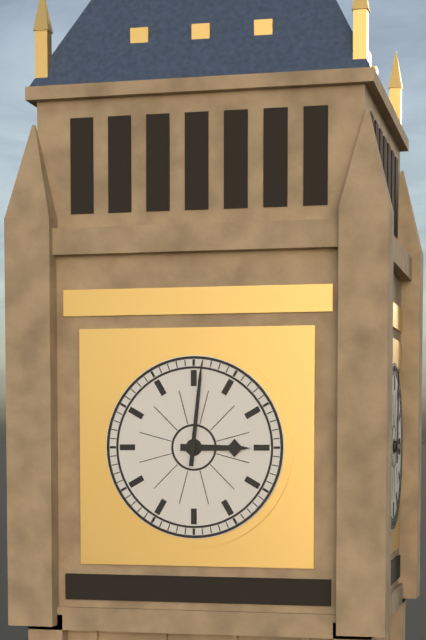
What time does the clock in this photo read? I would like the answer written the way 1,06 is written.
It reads 3,01
